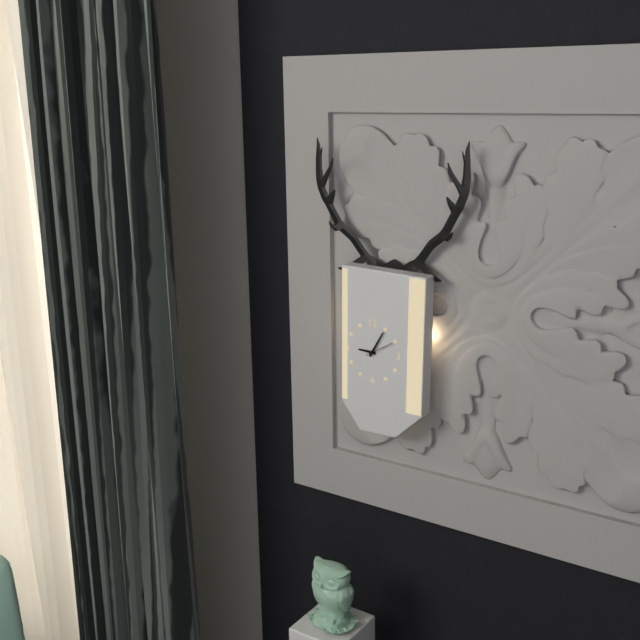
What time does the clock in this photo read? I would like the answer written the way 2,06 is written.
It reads 9,05
